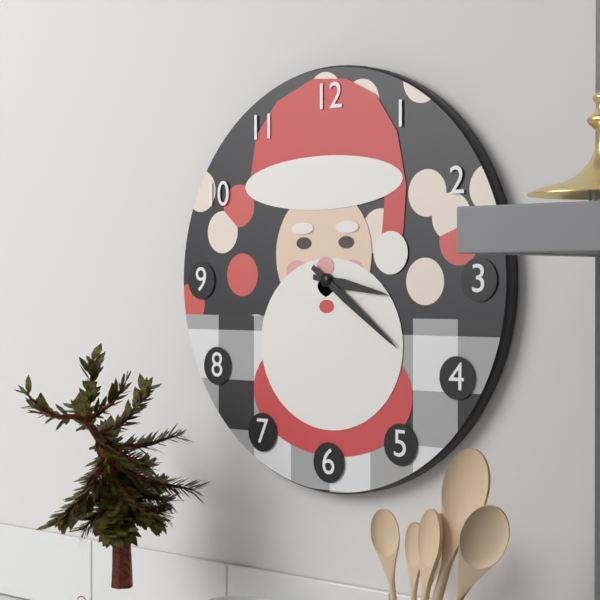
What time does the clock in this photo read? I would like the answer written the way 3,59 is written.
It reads 3,21
